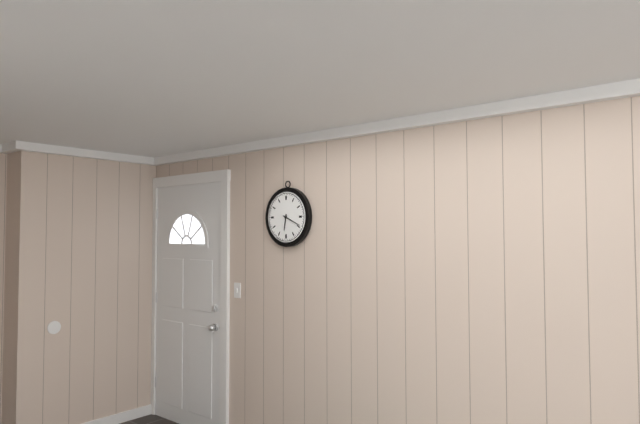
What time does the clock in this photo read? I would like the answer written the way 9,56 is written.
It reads 6,19
